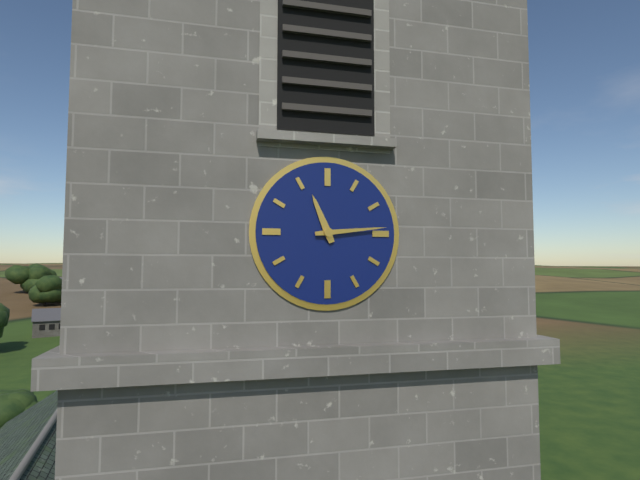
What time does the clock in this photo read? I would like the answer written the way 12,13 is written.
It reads 11,14
